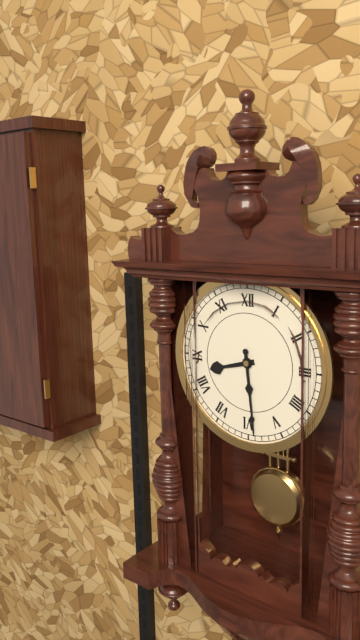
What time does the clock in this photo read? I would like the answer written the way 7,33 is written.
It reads 8,29
